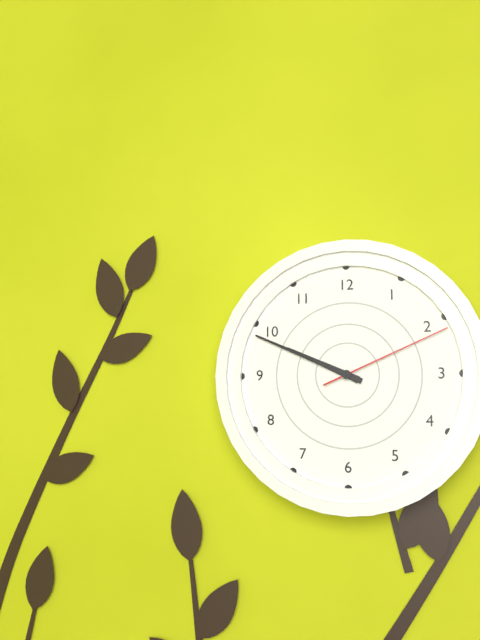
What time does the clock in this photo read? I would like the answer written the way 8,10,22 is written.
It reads 9,49,11
